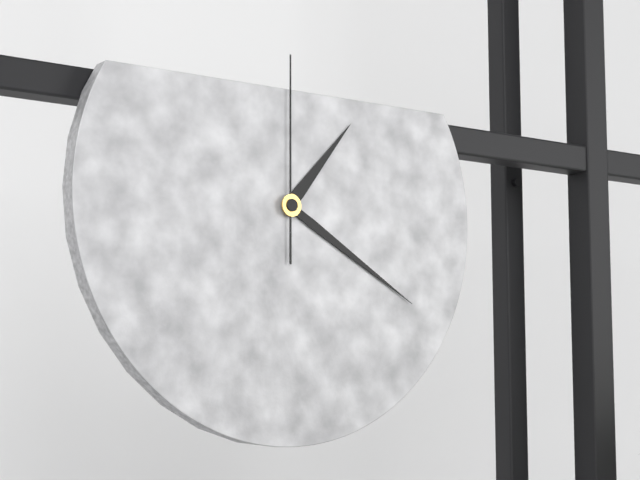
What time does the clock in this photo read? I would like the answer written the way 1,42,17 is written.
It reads 1,20,00
